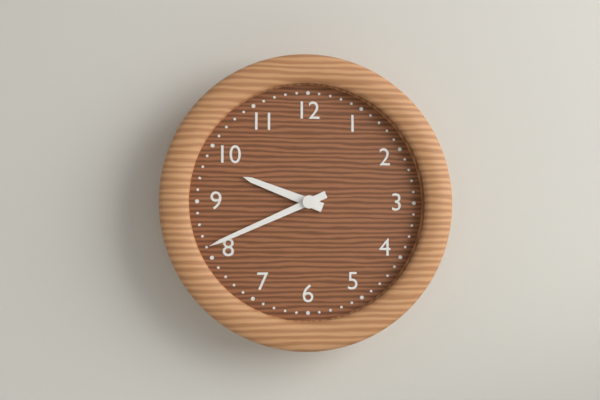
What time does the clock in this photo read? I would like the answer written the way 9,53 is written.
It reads 9,41
